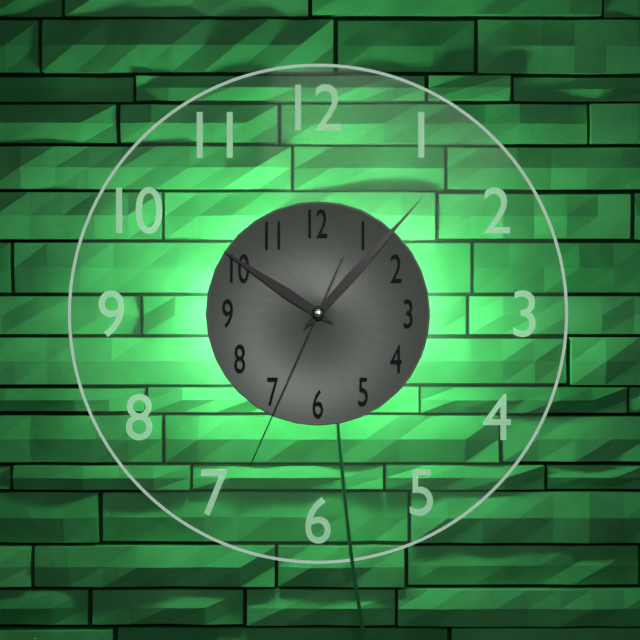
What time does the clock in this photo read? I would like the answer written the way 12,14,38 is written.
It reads 10,07,34
